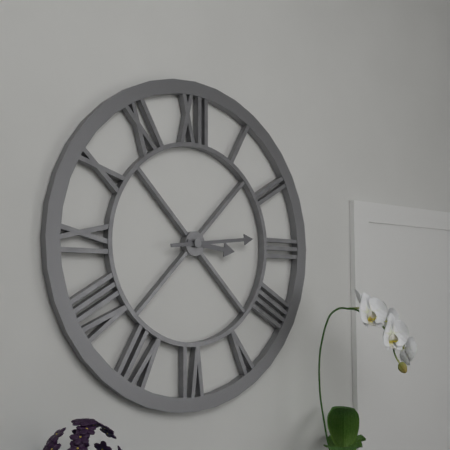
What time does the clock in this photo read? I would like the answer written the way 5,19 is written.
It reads 3,14
